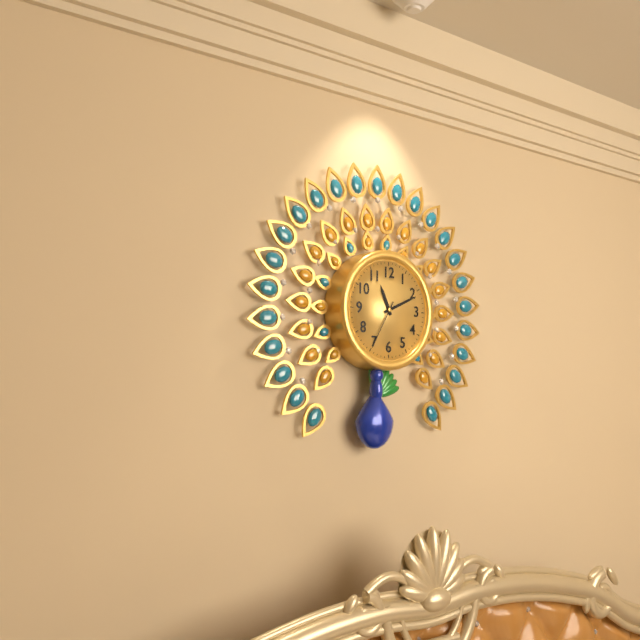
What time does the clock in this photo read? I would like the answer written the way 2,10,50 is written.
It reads 11,11,35
